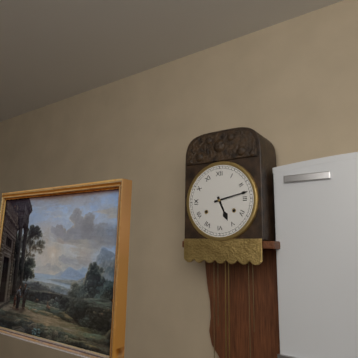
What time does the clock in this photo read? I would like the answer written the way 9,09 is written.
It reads 5,13
